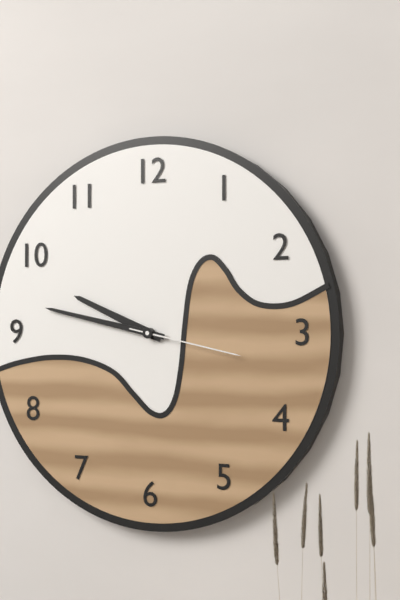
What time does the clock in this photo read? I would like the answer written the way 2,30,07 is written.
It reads 9,47,17
